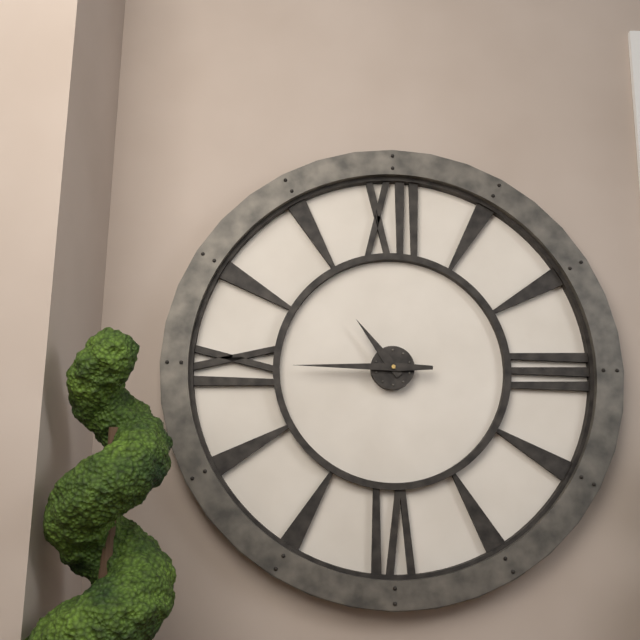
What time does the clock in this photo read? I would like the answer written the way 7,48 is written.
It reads 10,45
